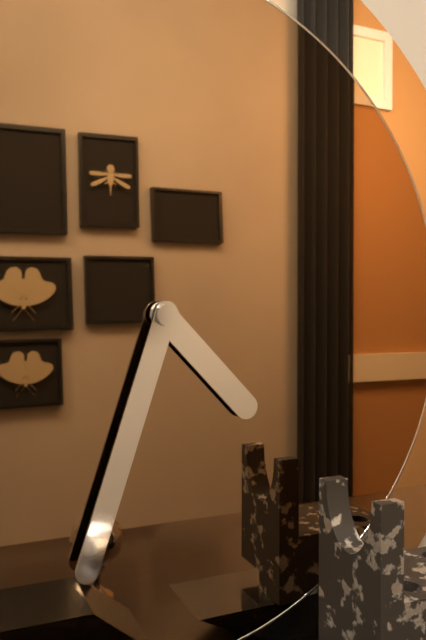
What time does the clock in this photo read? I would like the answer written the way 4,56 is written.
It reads 4,33
